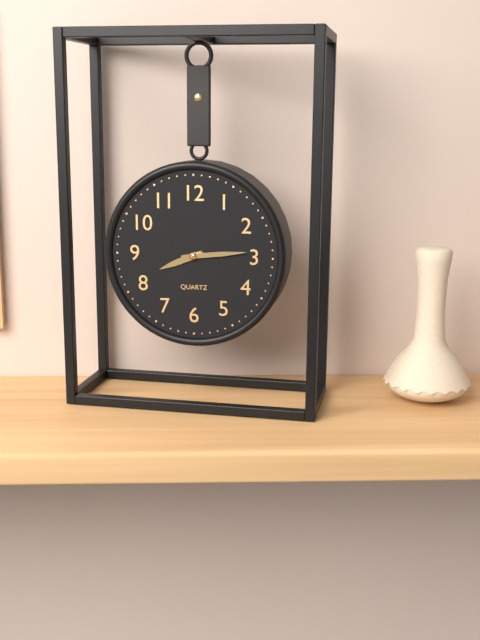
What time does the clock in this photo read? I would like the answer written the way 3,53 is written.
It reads 8,14
